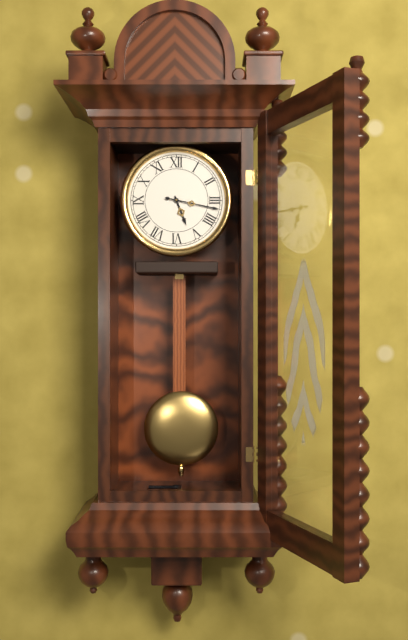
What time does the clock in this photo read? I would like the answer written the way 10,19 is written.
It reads 5,17
